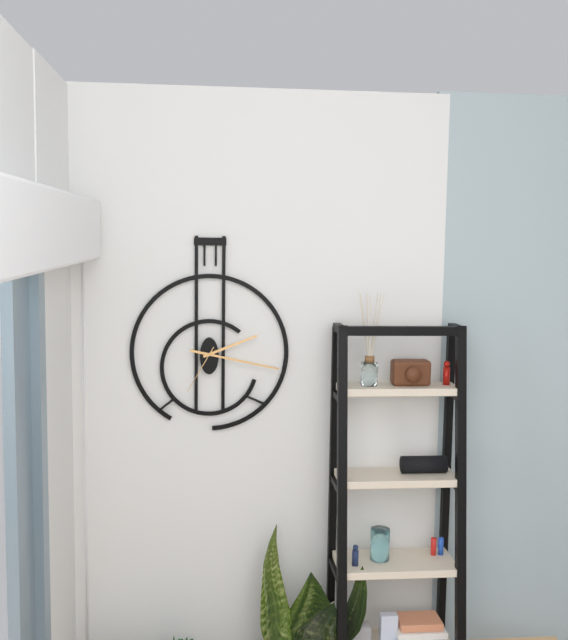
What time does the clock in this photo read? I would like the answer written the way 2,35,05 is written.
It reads 2,17,35
